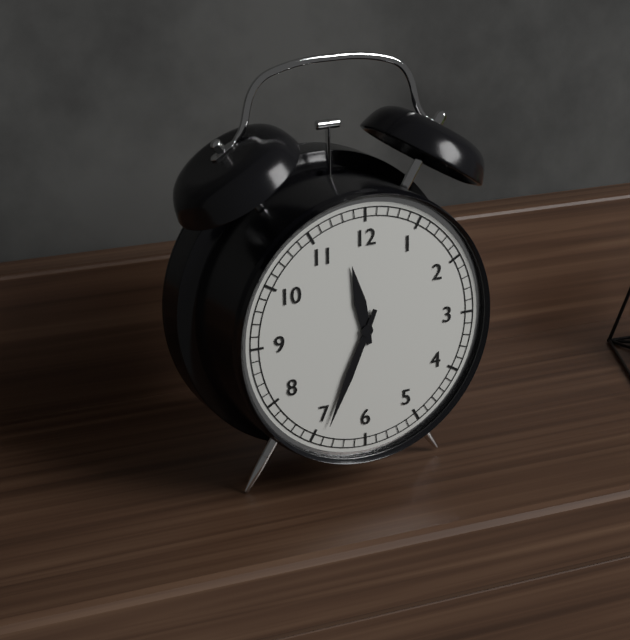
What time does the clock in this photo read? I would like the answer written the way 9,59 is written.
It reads 11,34
